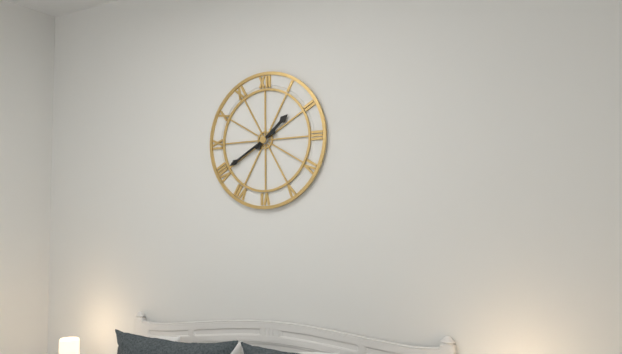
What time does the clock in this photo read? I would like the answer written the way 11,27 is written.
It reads 1,40
